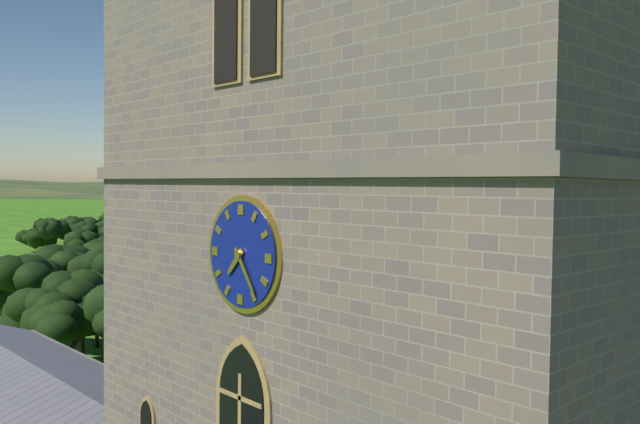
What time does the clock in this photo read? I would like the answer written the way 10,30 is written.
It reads 7,24
